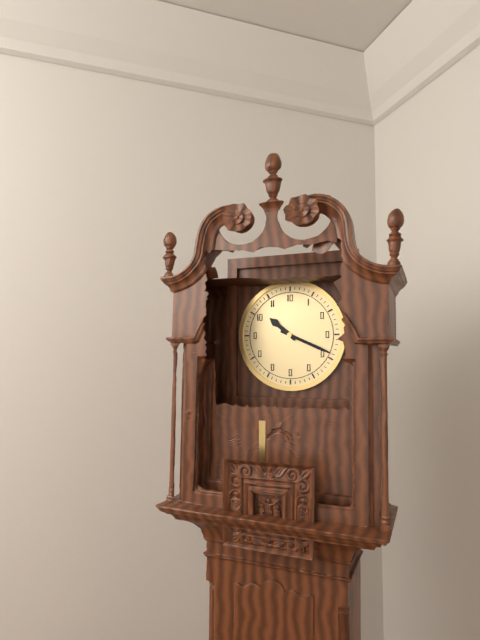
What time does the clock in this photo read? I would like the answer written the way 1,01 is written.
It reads 10,19
